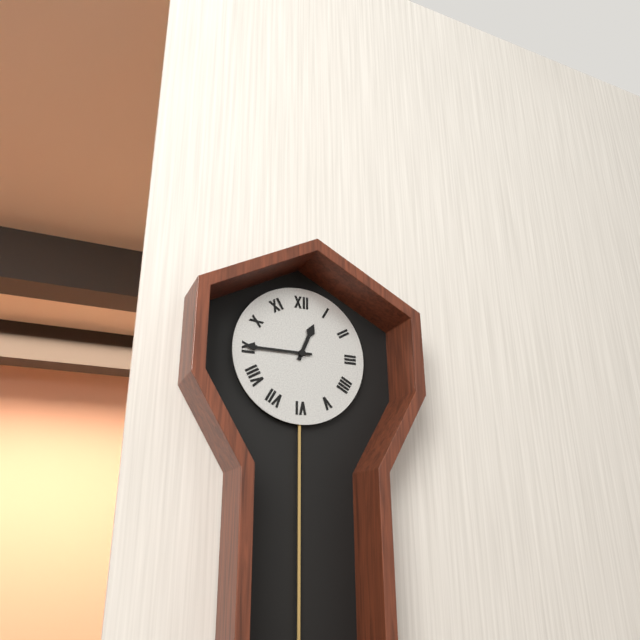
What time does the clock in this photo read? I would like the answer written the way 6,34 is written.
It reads 12,45
